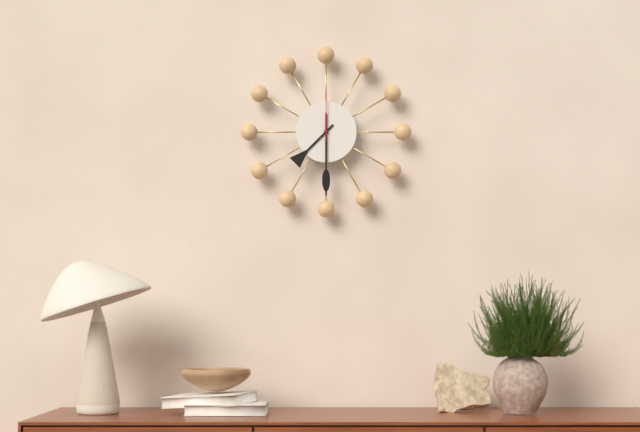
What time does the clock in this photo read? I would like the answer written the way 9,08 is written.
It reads 7,30
